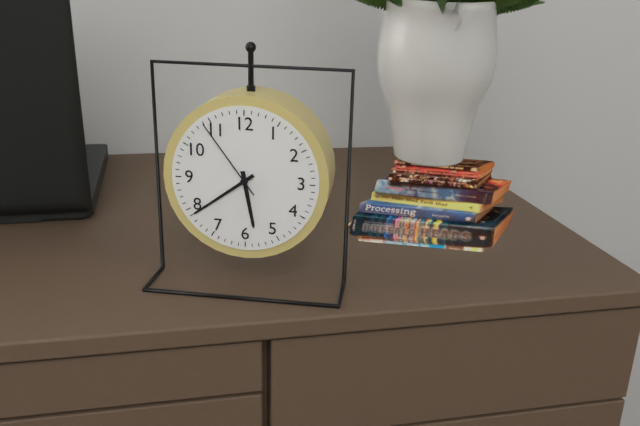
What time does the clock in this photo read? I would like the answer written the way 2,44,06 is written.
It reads 5,39,54
